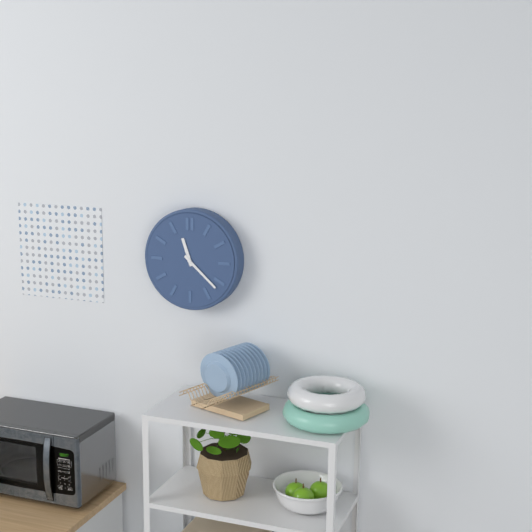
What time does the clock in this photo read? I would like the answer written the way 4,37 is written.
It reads 11,22
